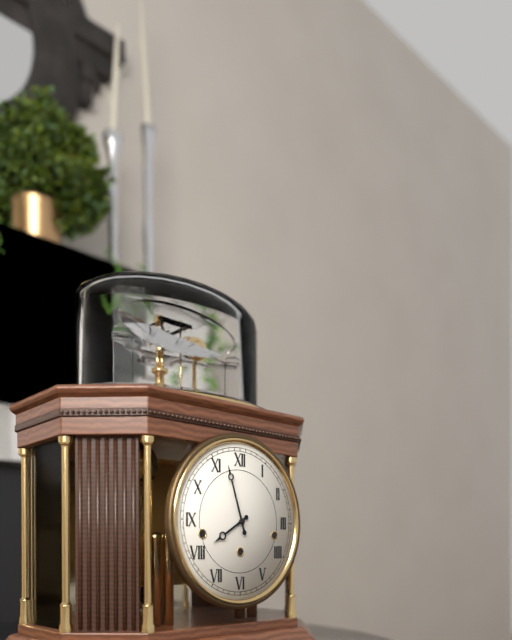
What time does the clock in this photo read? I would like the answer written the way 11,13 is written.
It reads 7,57
